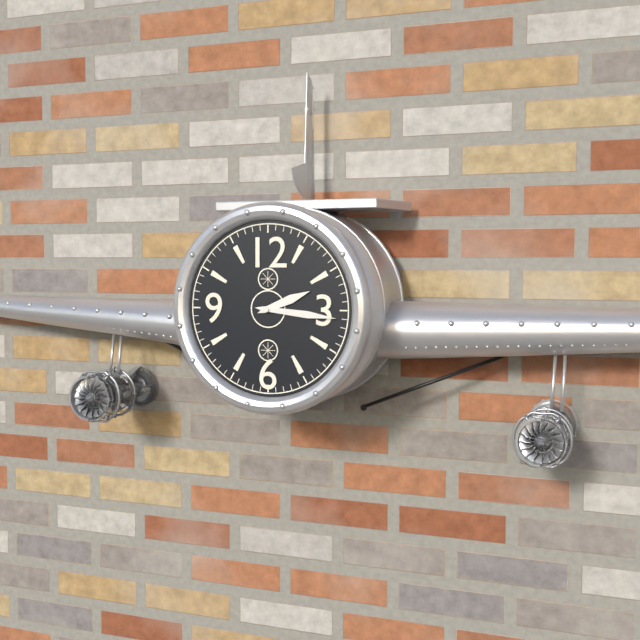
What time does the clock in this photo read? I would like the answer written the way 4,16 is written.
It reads 2,16
